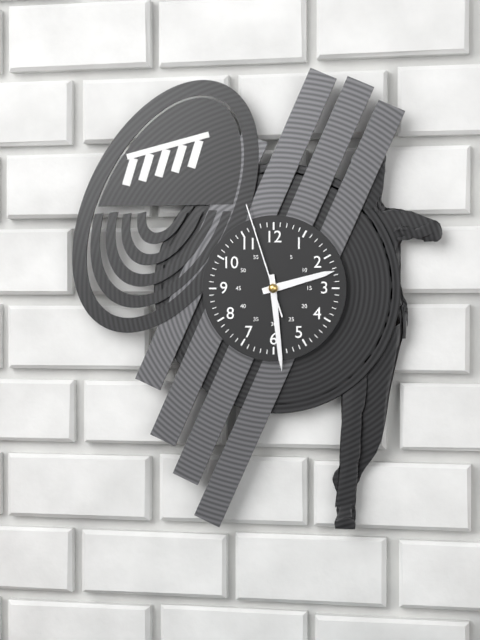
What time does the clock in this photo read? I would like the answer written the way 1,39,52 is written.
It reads 2,29,57
